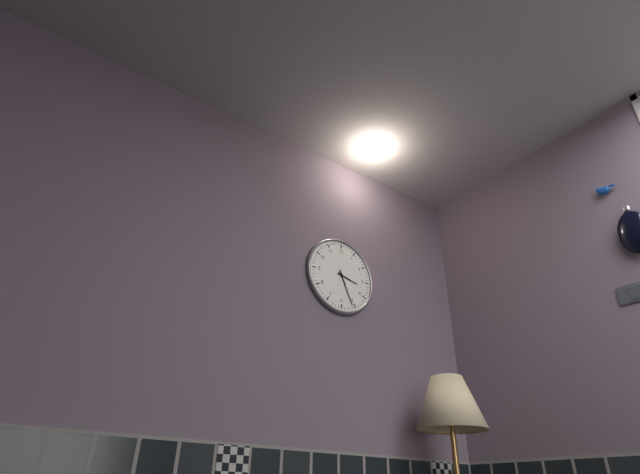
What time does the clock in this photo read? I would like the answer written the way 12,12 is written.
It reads 3,26
